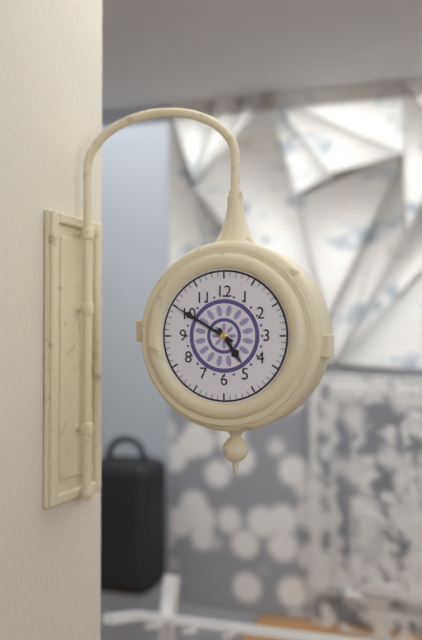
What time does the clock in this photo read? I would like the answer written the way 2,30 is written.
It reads 4,50
